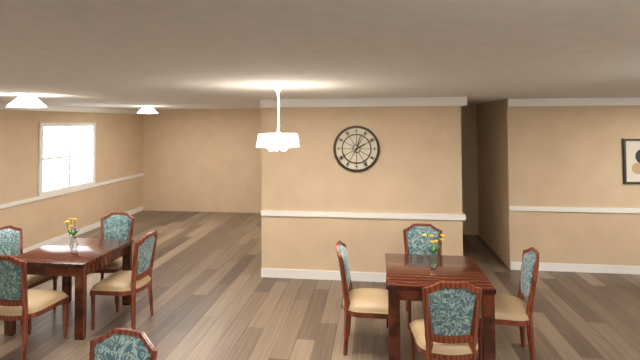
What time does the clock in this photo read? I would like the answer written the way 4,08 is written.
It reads 2,03
